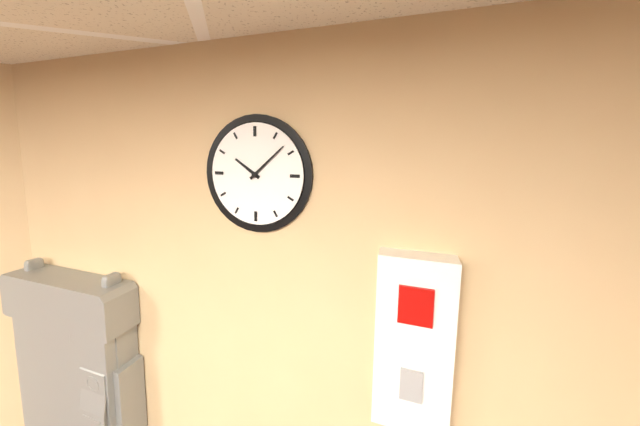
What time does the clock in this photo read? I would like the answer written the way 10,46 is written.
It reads 10,08
